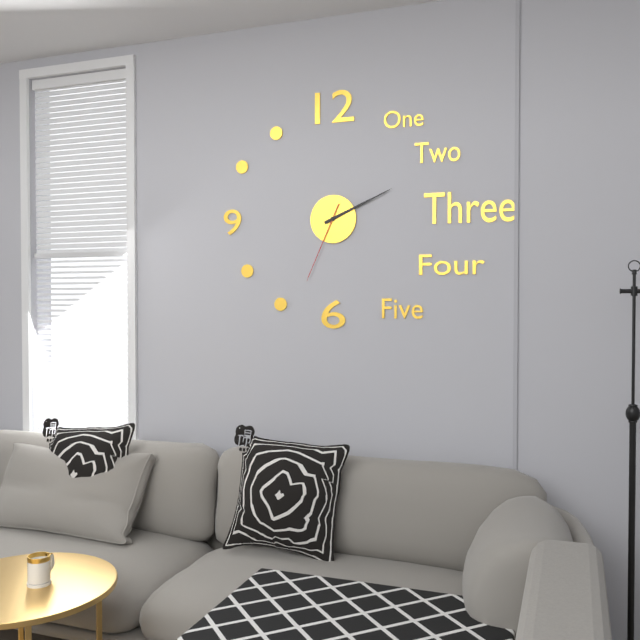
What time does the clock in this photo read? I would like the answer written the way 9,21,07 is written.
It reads 2,11,34
